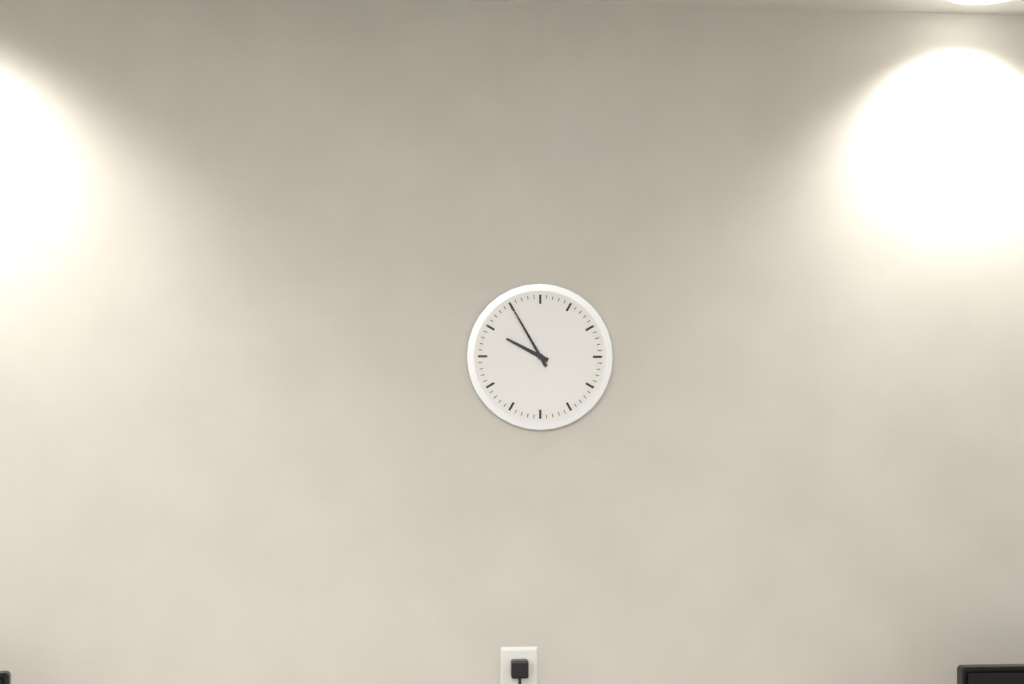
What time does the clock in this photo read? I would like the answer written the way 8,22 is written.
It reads 9,55
